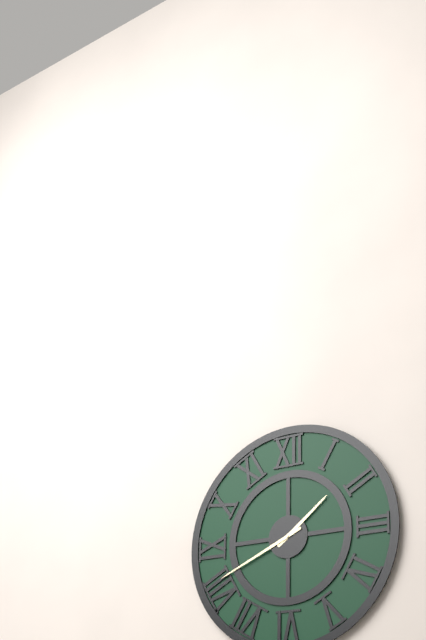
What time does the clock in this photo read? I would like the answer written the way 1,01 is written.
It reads 1,41
